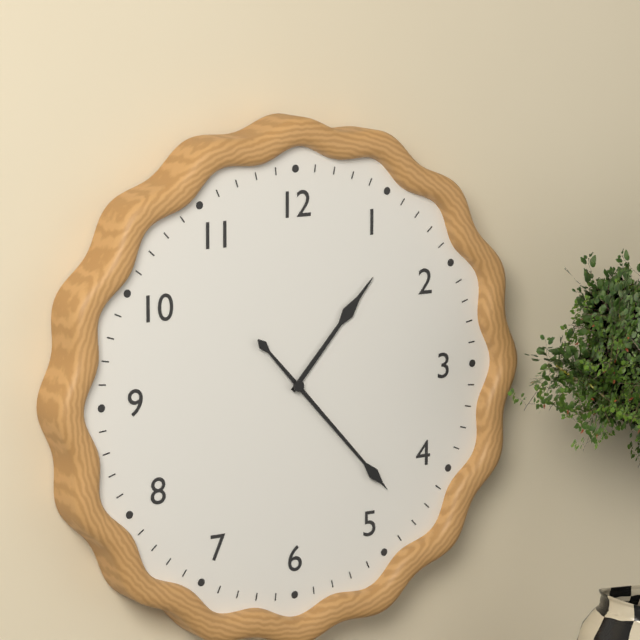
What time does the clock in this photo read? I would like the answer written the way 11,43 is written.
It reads 1,23
